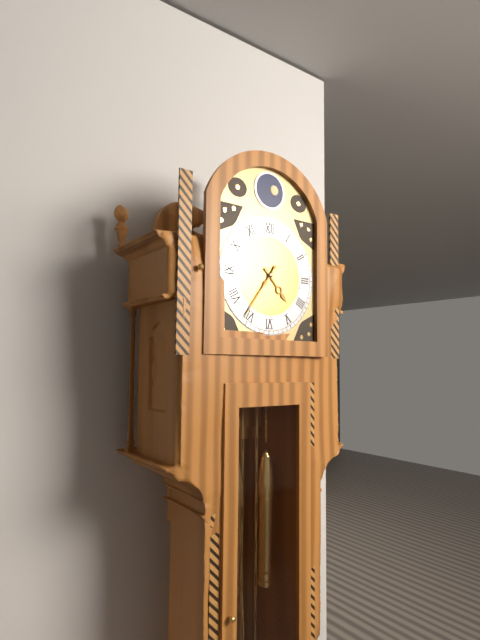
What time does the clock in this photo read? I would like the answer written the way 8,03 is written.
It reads 4,36
